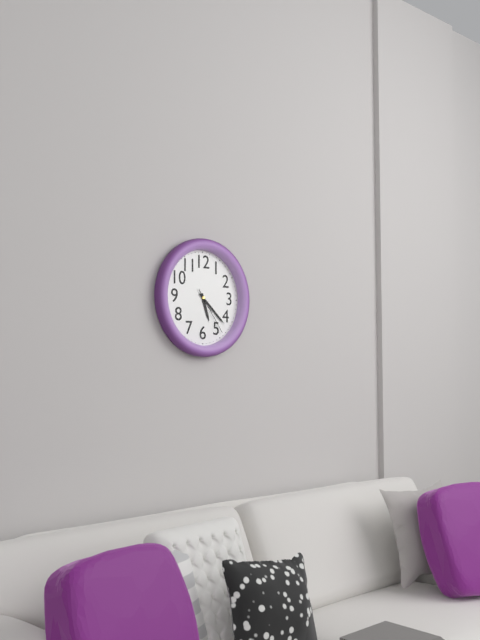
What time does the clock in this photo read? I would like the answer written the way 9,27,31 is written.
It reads 5,22,24
